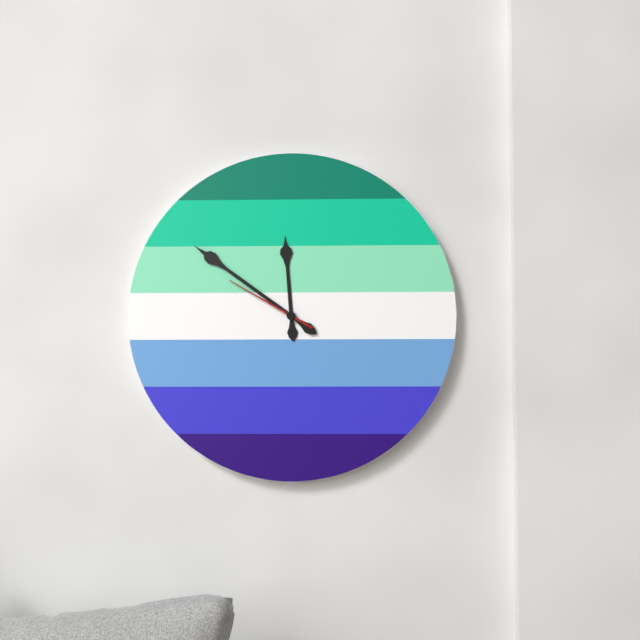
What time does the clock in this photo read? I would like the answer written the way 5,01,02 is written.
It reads 11,51,50
